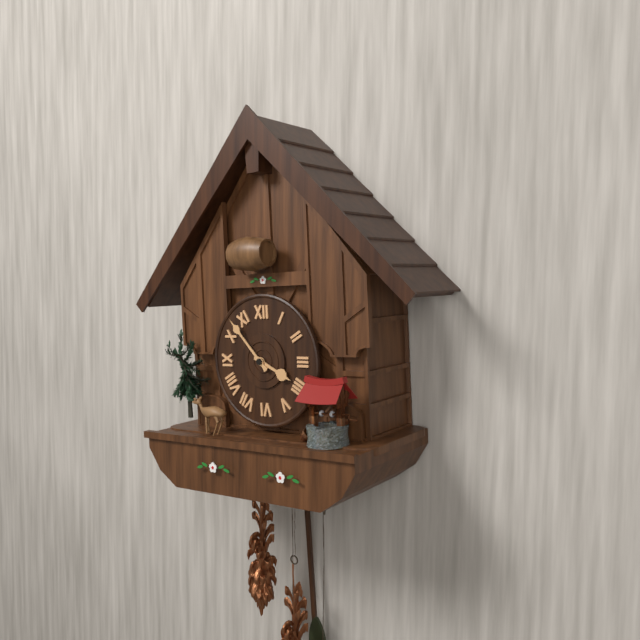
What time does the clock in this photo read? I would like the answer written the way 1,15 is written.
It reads 3,53
